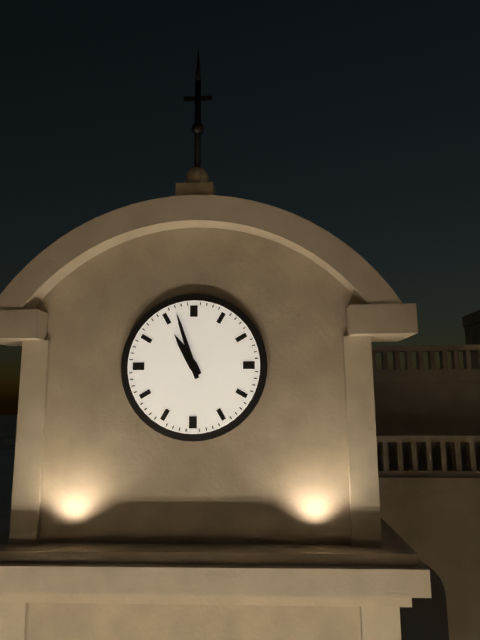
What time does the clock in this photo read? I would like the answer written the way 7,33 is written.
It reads 10,57
